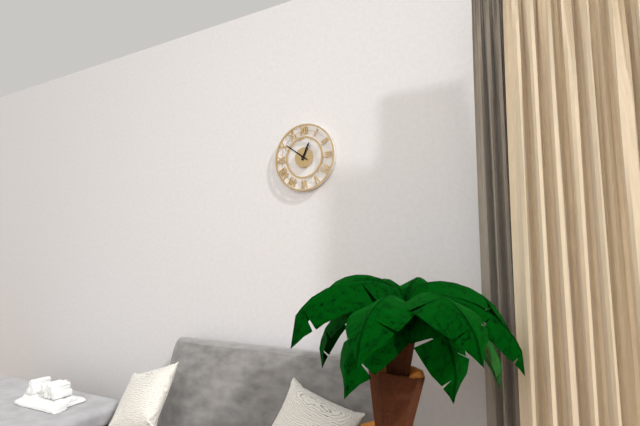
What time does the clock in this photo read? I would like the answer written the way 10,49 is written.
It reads 12,51
